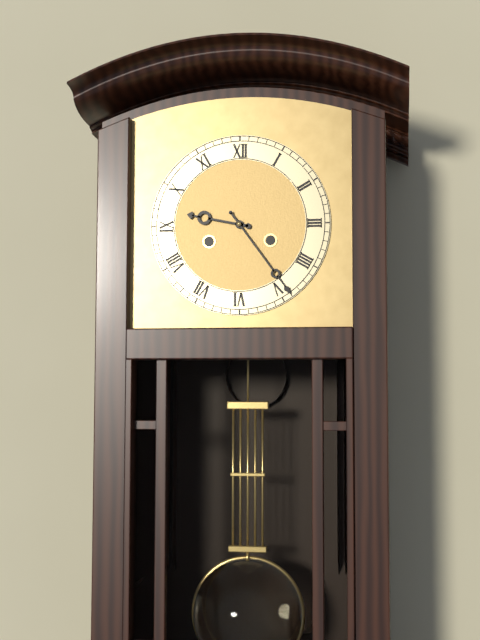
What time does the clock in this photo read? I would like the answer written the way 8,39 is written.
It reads 9,24
